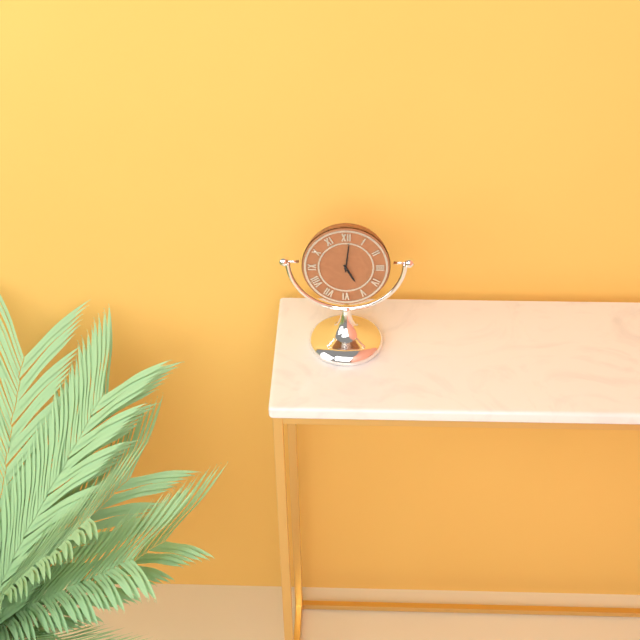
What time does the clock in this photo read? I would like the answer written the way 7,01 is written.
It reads 5,01
